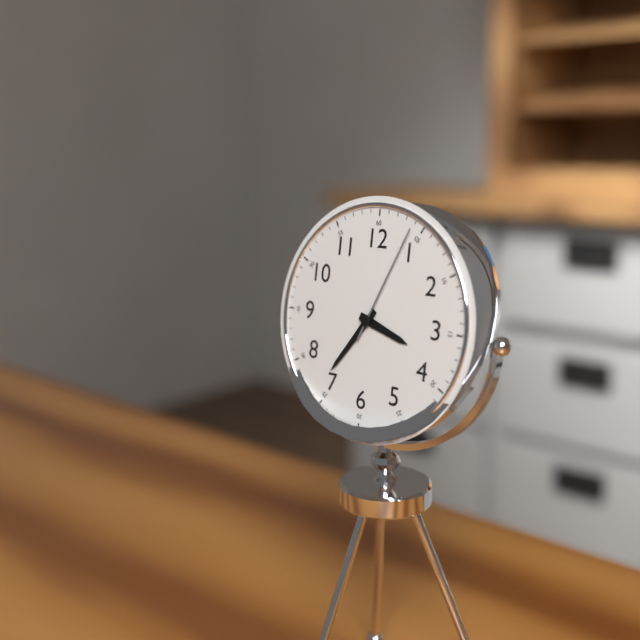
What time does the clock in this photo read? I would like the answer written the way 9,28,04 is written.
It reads 3,36,04
